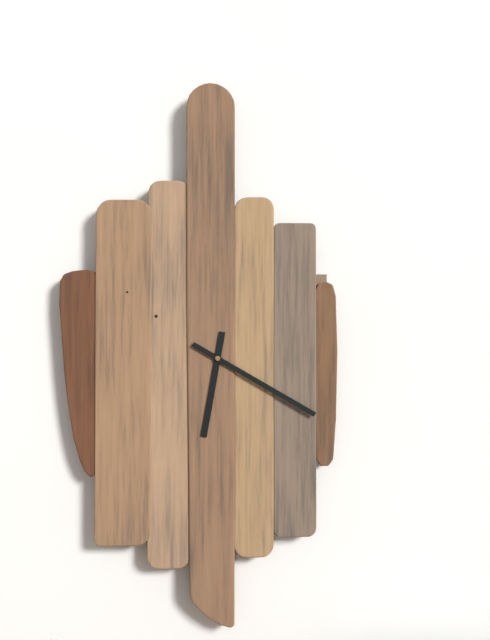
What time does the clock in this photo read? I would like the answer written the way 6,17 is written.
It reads 6,20
